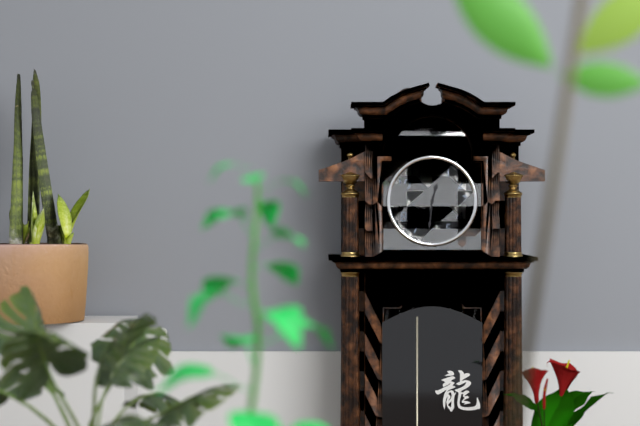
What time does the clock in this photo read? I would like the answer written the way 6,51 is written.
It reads 12,31
